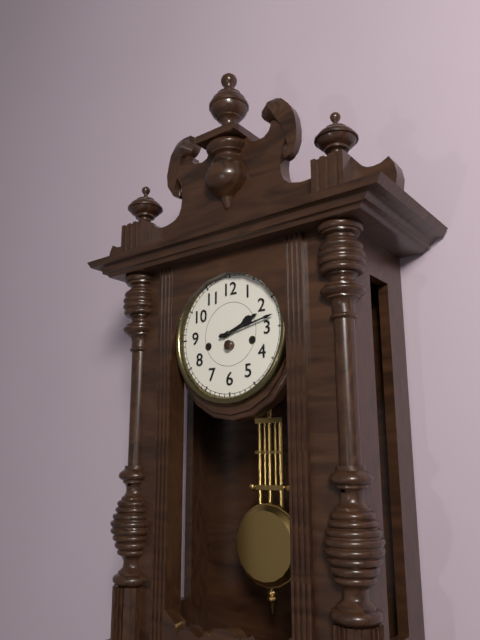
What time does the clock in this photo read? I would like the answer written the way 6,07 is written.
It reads 2,13
